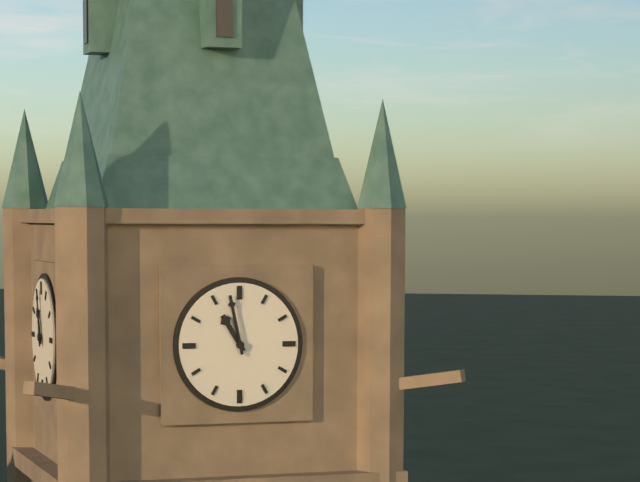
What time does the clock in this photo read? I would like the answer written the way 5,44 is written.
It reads 10,58
